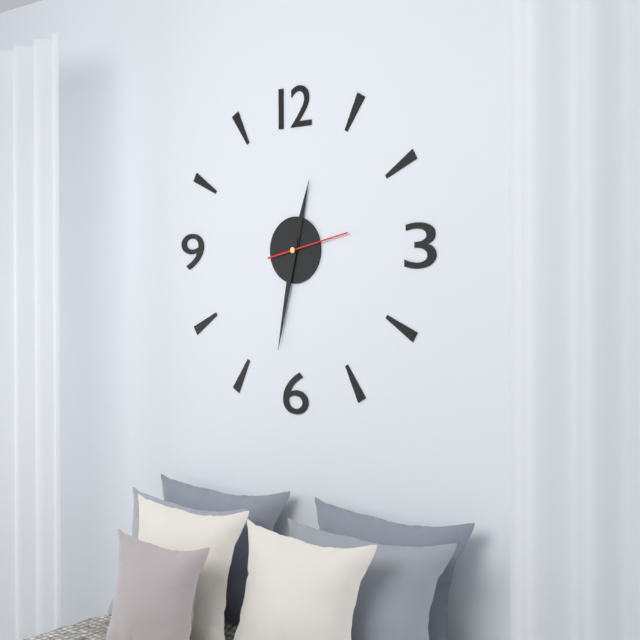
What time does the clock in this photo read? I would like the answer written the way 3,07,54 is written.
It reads 12,32,13
